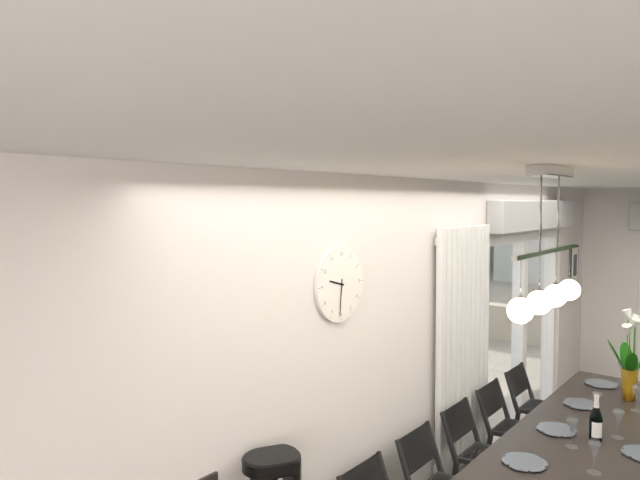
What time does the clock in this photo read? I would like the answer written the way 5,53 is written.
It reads 9,31
